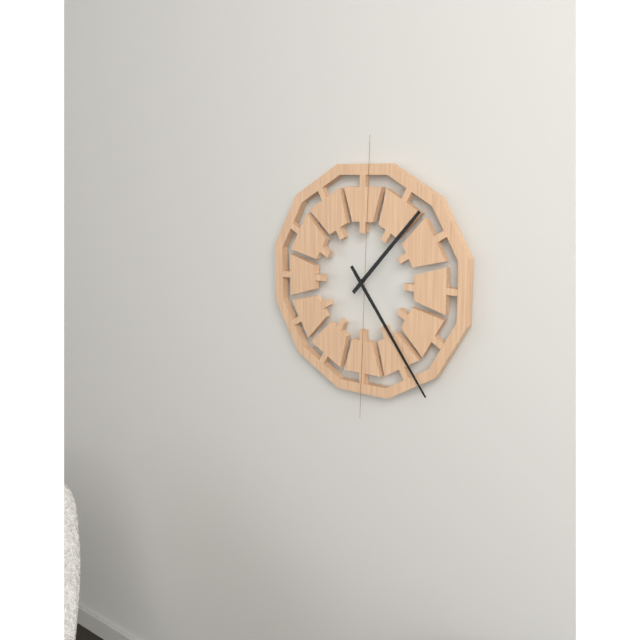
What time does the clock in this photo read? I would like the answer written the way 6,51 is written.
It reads 1,24
